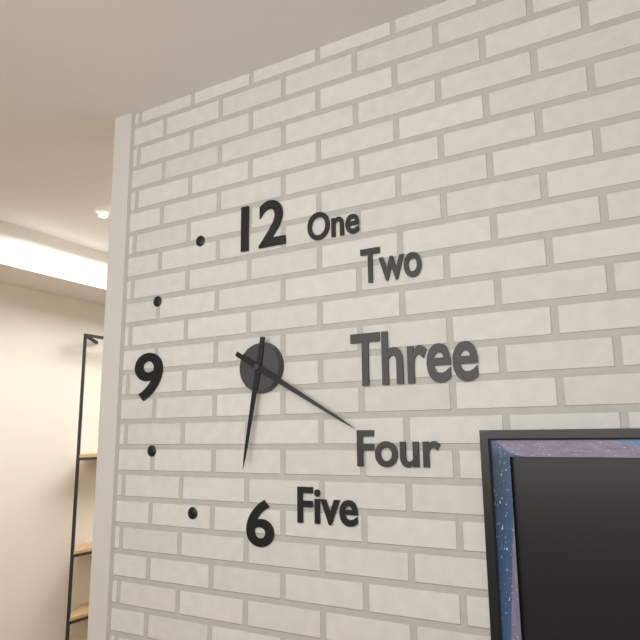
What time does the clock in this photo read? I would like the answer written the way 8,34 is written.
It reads 6,20
